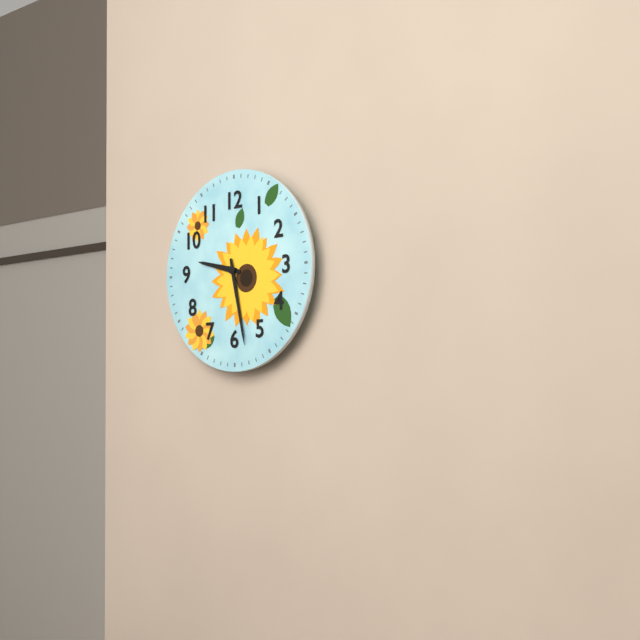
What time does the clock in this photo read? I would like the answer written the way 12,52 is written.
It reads 9,28
